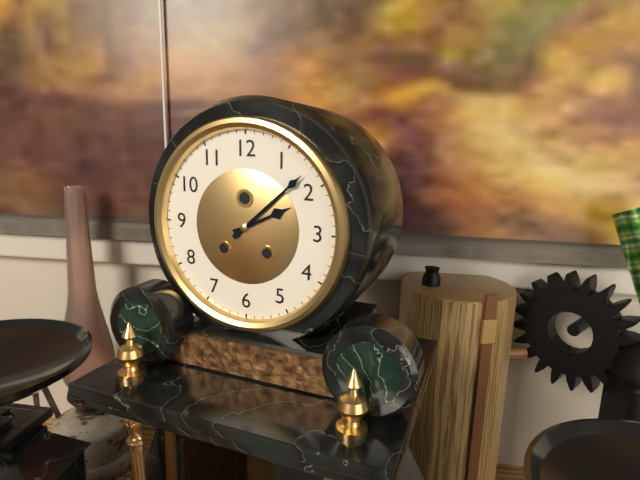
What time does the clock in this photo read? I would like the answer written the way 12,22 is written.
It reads 2,08
